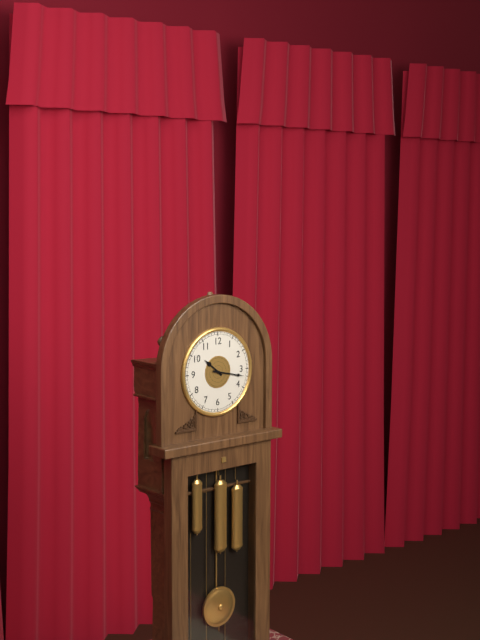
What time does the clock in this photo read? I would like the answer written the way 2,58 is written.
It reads 10,17
